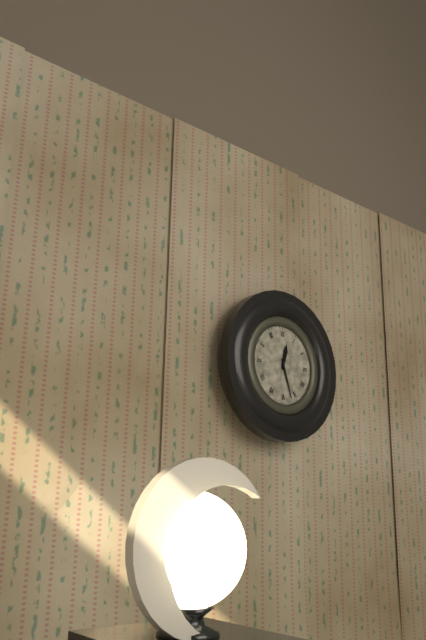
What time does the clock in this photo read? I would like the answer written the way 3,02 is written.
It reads 12,27
